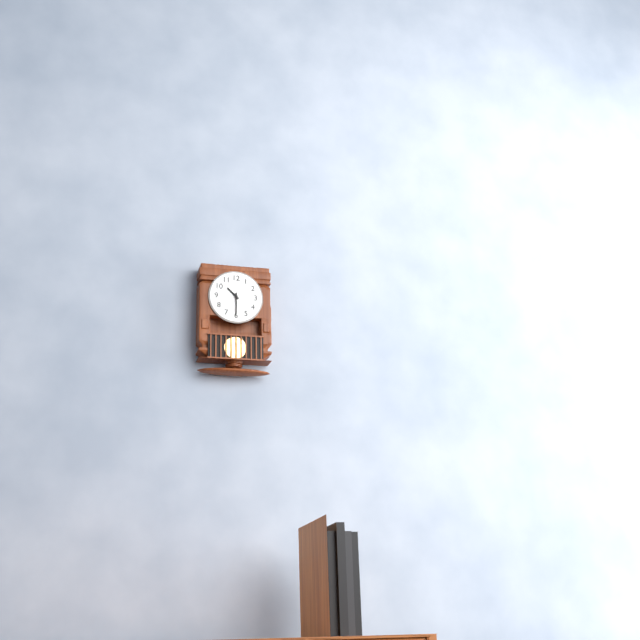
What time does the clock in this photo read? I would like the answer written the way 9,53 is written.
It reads 10,30
